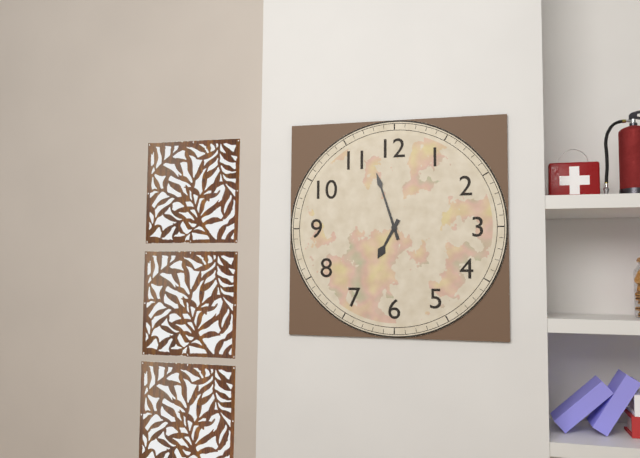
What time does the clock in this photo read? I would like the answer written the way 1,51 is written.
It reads 6,57
